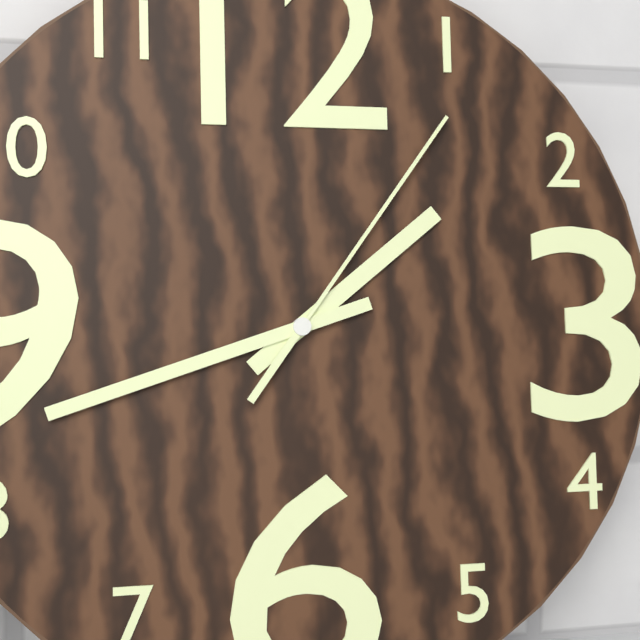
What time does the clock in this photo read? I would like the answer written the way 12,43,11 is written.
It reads 1,42,06
